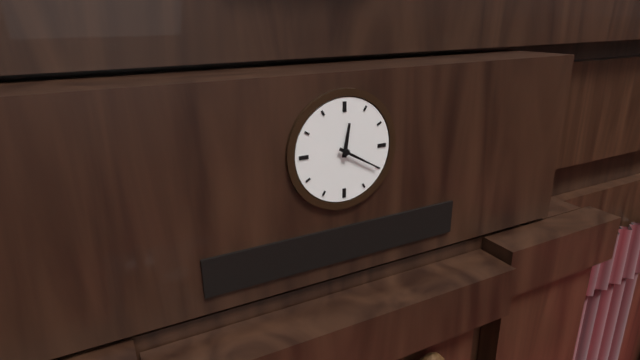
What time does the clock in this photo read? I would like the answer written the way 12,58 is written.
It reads 12,20
